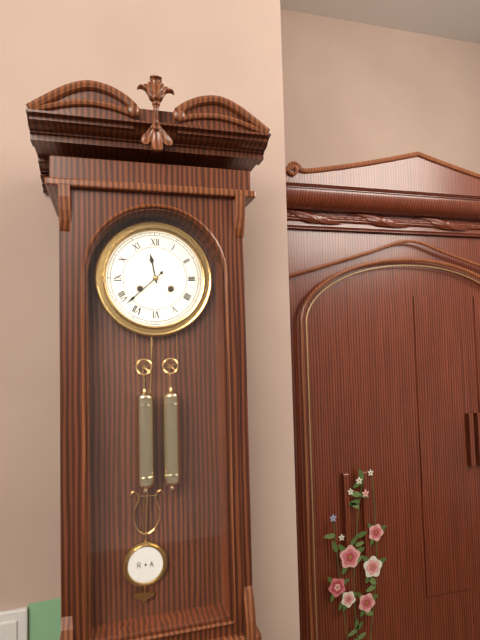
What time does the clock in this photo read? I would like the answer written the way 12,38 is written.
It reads 11,38
